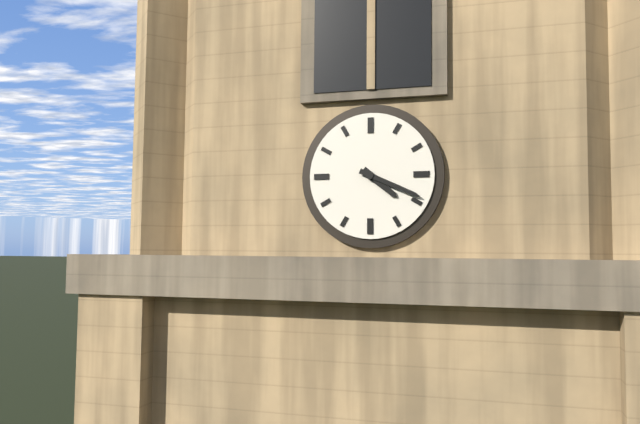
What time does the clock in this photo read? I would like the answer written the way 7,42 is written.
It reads 4,19
